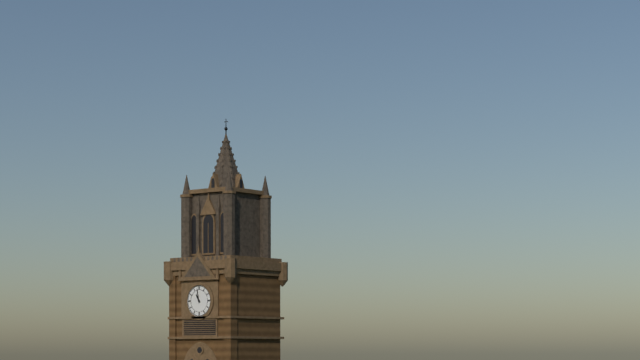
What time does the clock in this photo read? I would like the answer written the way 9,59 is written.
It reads 10,58
